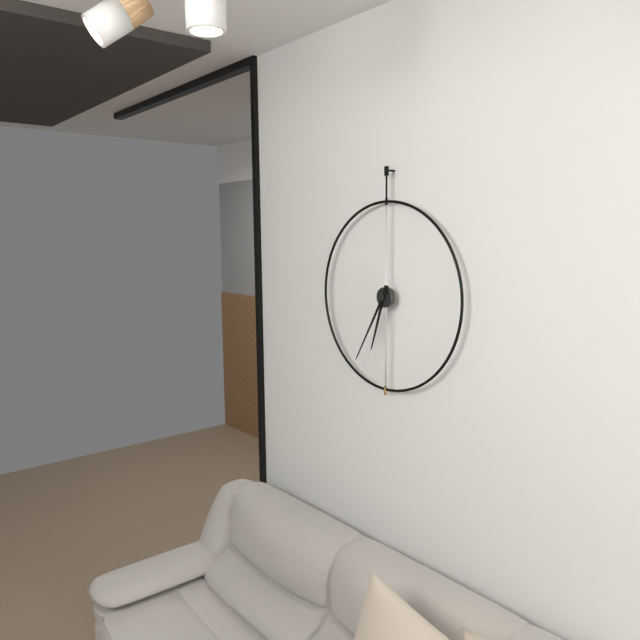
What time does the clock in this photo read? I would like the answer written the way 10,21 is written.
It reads 6,35
